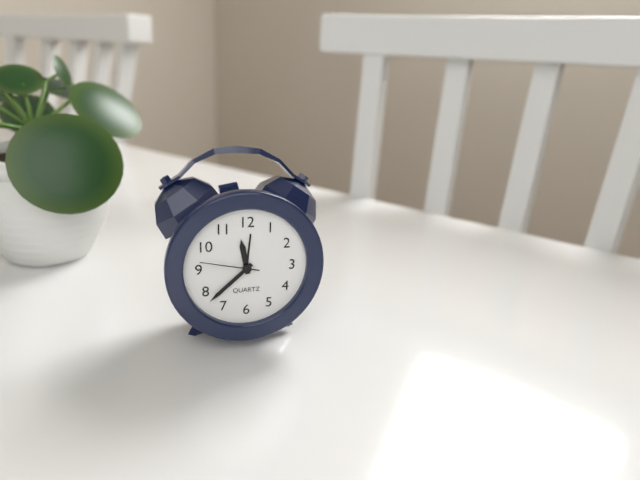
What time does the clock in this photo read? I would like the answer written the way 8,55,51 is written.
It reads 11,38,47
